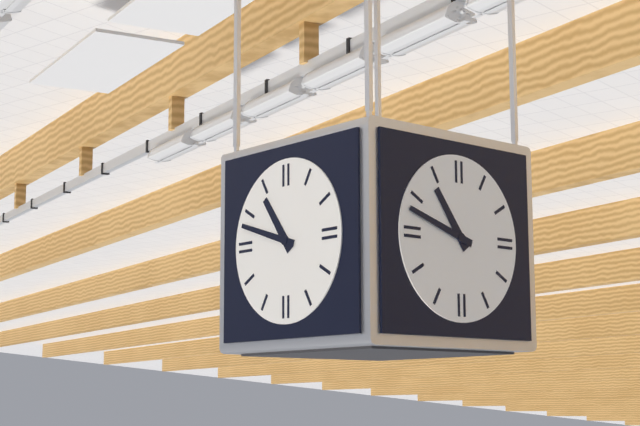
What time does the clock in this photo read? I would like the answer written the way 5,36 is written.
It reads 10,48
